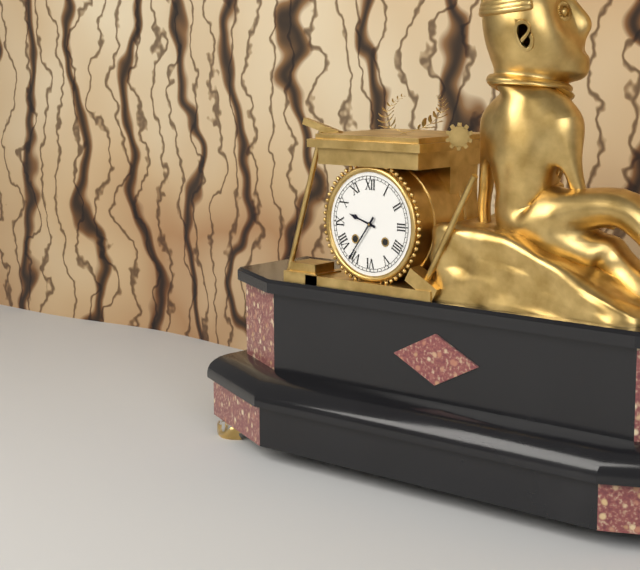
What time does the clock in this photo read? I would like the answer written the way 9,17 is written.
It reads 9,36
